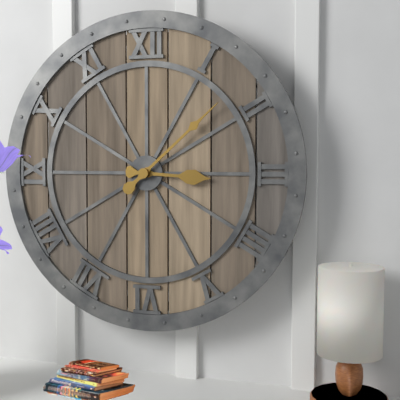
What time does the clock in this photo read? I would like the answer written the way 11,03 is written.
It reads 3,08
